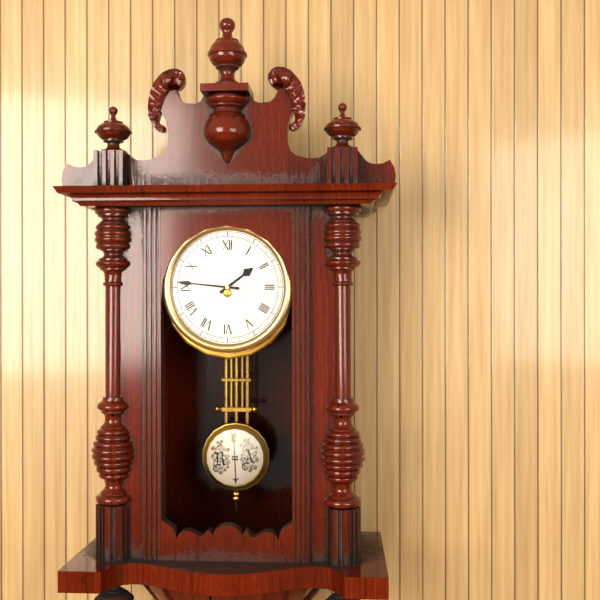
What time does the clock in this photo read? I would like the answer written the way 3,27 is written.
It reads 1,46
